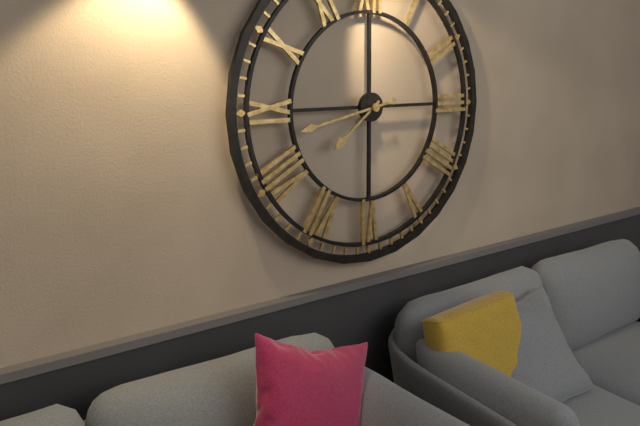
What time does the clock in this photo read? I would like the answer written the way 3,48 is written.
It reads 7,43
